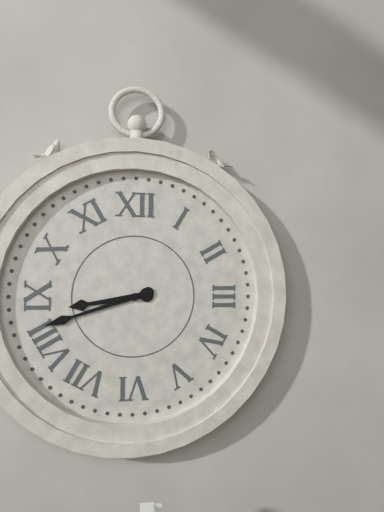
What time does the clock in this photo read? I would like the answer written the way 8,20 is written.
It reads 8,42
